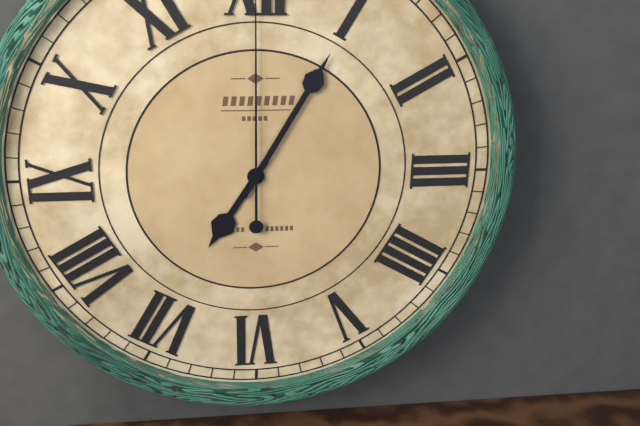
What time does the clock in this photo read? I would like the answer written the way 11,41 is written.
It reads 7,05
